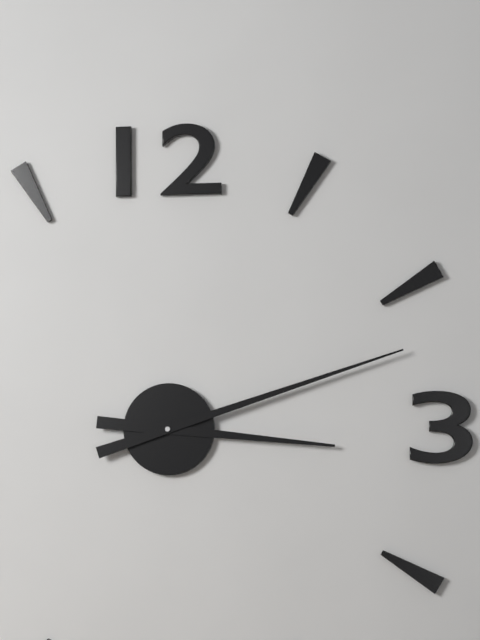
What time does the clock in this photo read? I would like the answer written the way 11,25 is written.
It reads 3,12
